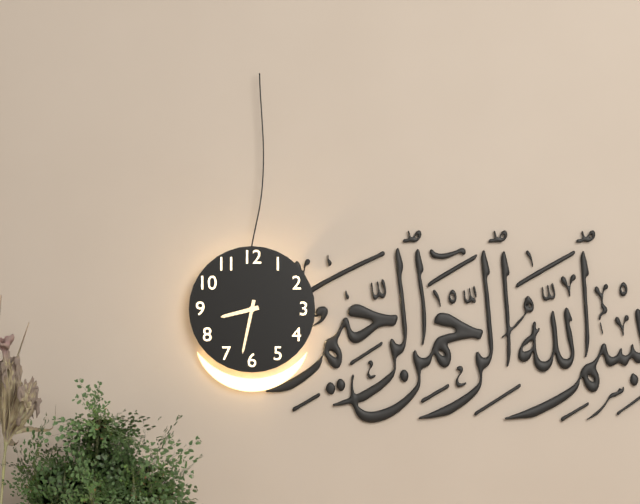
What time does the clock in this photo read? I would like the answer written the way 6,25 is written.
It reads 8,32
